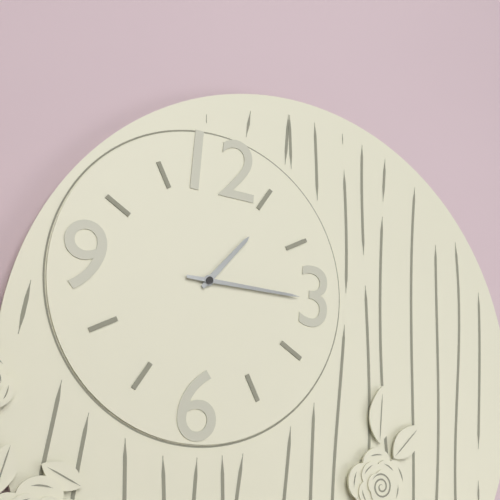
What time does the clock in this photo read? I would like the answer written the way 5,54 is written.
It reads 1,15
